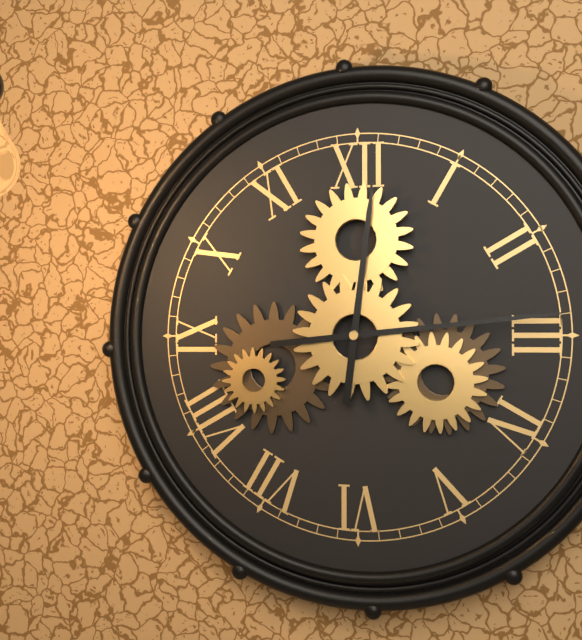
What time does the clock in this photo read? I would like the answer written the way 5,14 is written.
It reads 12,14
